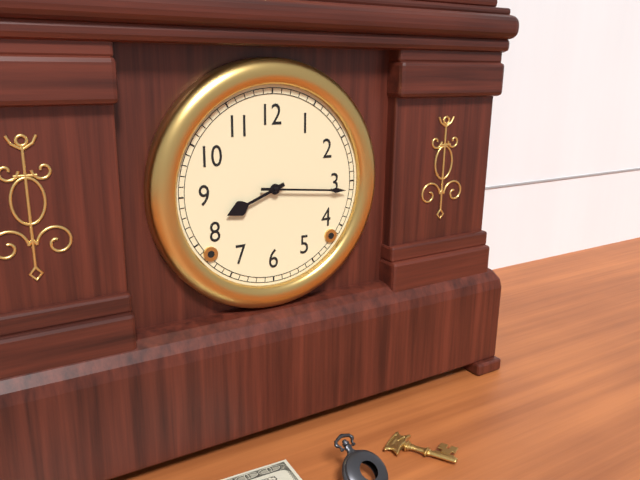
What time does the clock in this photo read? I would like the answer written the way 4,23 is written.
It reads 8,16
